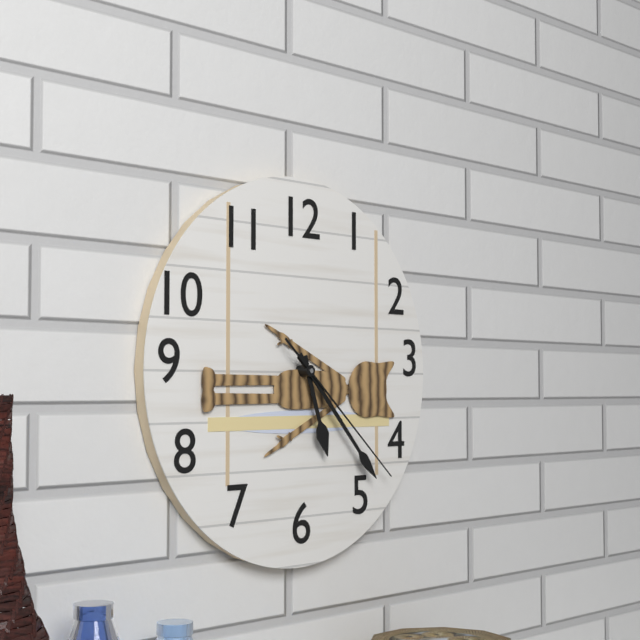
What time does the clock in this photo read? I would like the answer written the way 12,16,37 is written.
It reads 5,23,22
